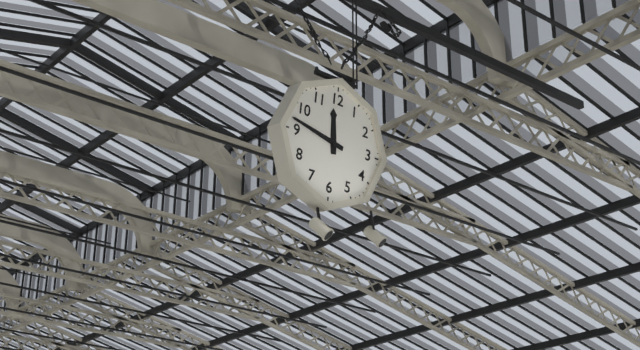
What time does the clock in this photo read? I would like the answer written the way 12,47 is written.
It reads 11,47
